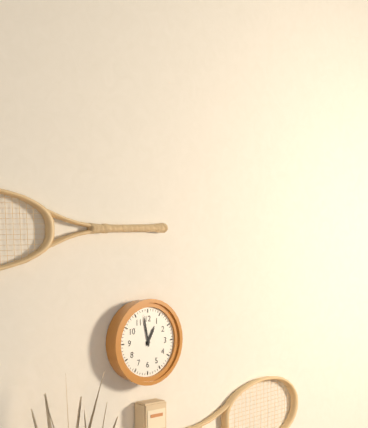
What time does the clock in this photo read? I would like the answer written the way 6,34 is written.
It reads 12,58
